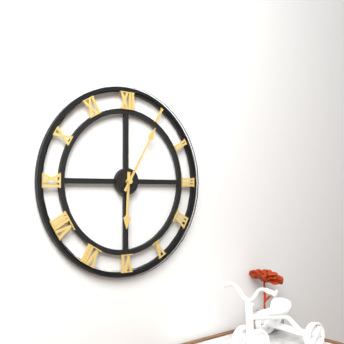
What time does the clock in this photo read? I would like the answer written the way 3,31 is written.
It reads 6,05
